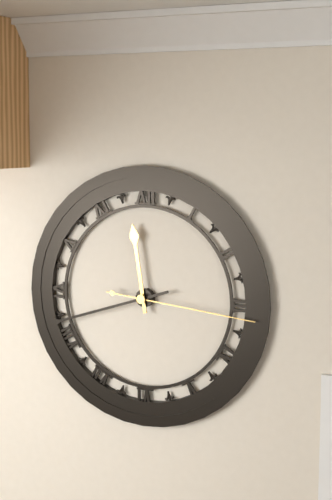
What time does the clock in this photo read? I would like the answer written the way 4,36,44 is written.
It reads 11,42,16
